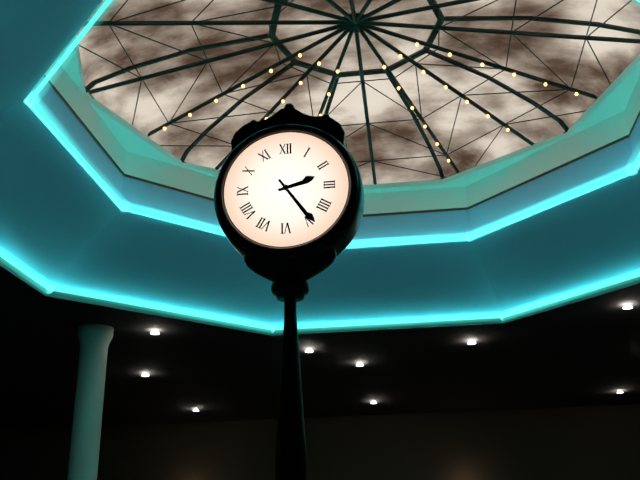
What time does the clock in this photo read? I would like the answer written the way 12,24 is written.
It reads 2,24
